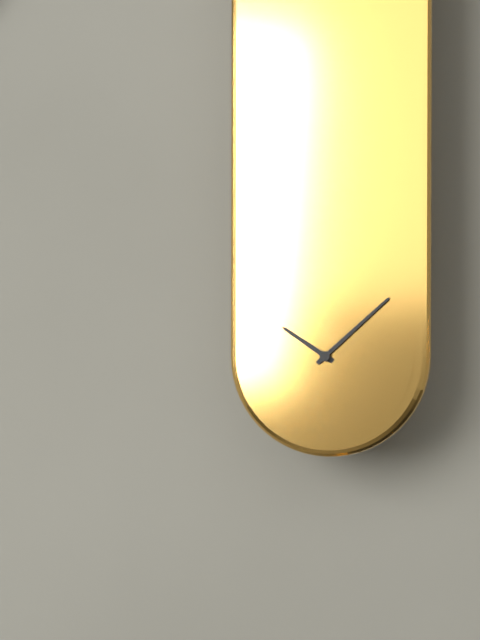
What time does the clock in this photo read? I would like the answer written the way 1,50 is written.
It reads 10,08
